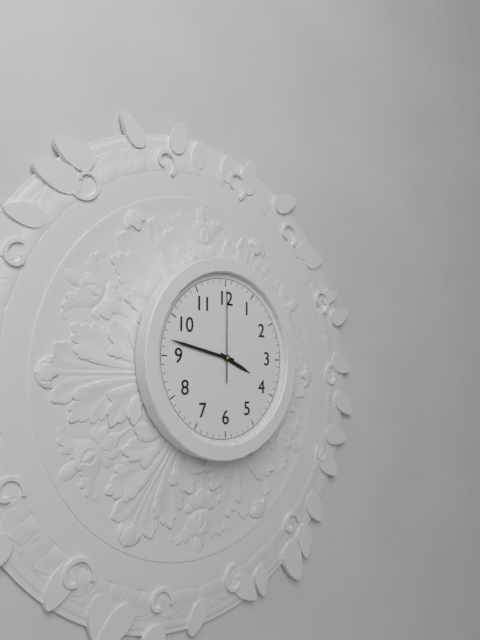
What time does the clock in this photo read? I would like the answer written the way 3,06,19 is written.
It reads 3,47,00
